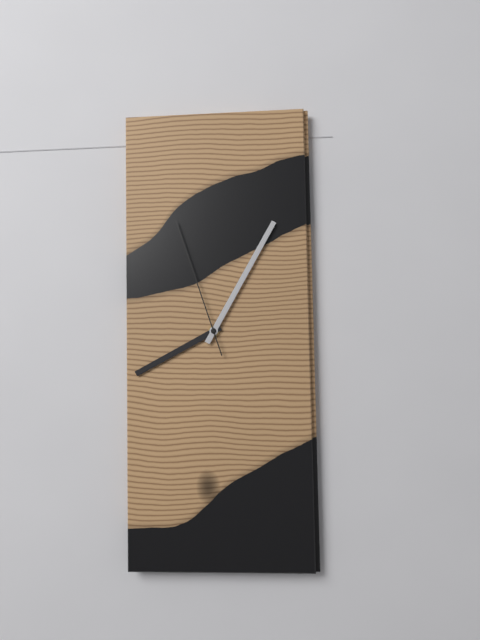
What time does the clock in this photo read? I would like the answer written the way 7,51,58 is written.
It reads 8,05,57
